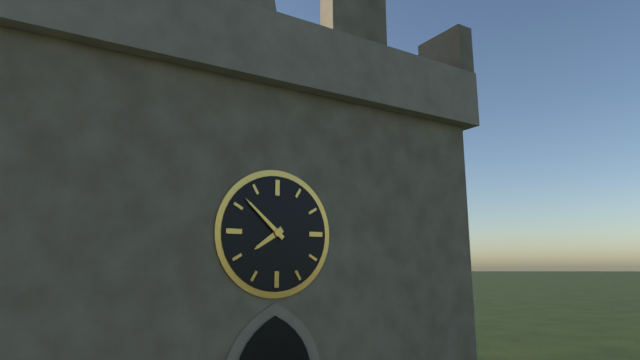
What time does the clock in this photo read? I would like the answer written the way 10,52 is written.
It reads 7,52
